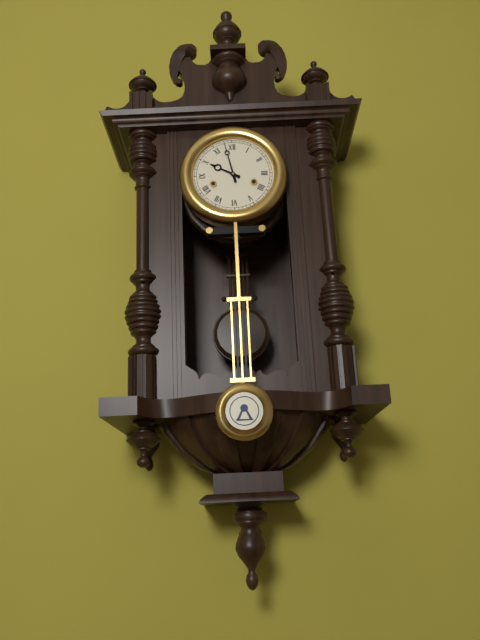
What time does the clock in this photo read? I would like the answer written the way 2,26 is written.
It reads 9,58
